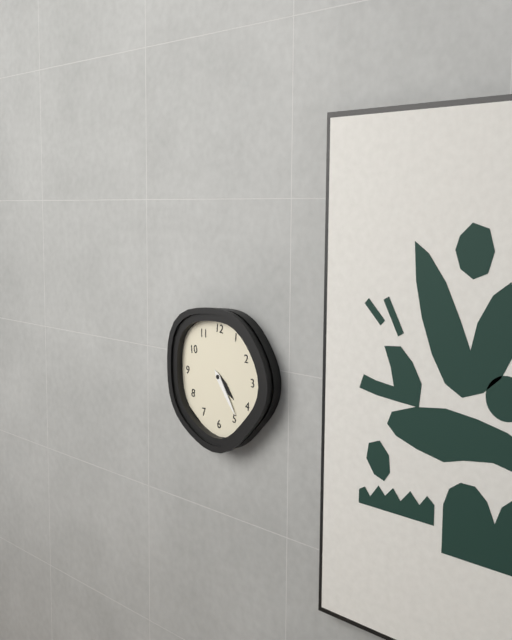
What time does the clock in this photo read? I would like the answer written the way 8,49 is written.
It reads 4,24
